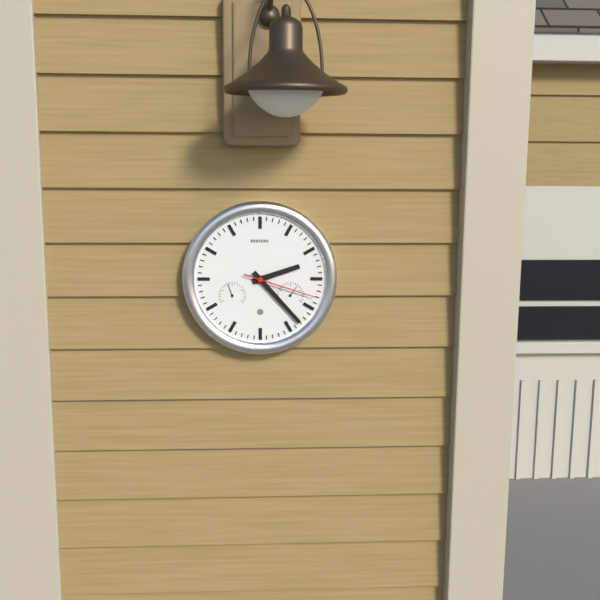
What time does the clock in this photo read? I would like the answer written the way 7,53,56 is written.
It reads 2,23,18
